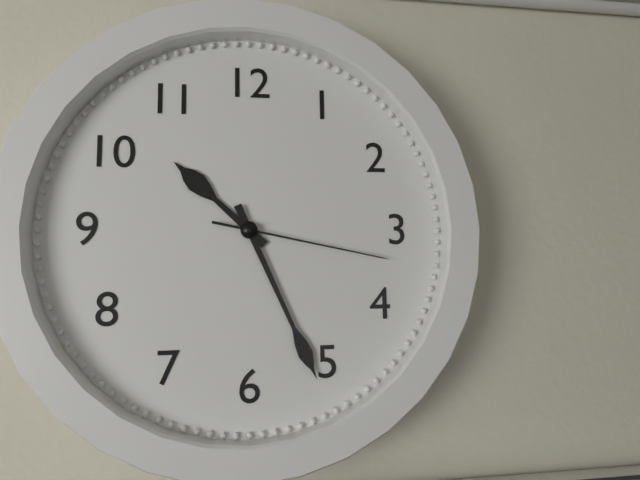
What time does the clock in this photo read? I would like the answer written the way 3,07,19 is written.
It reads 10,26,17
